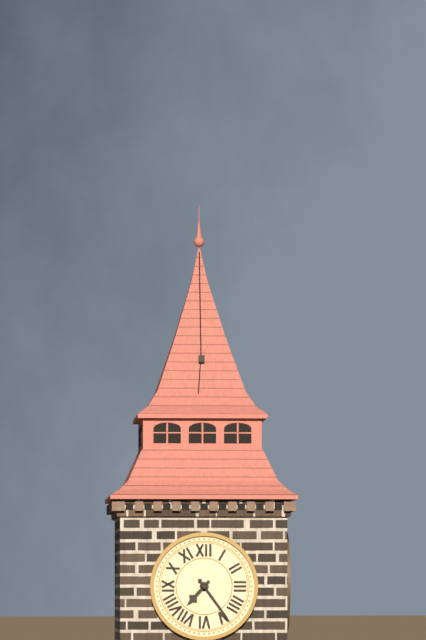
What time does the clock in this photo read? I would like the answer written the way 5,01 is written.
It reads 7,24
